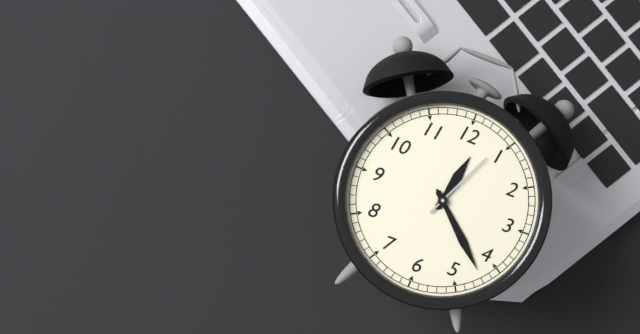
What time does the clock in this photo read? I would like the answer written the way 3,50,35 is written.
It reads 12,22,04
